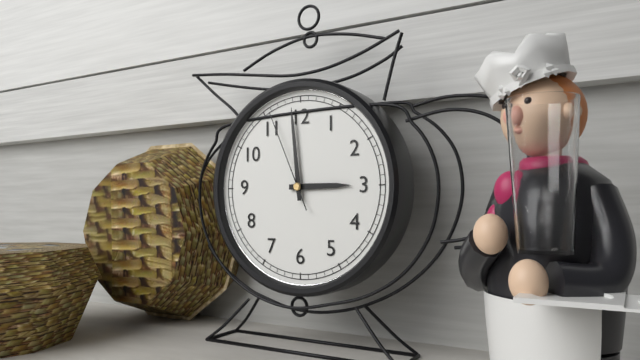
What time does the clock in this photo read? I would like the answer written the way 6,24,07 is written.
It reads 2,59,56
